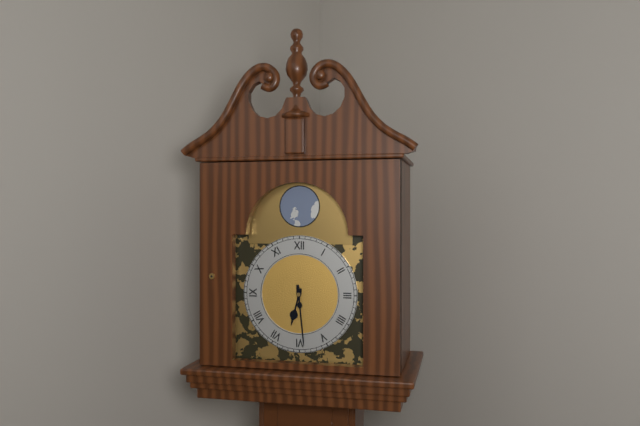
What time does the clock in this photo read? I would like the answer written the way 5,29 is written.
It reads 6,29
